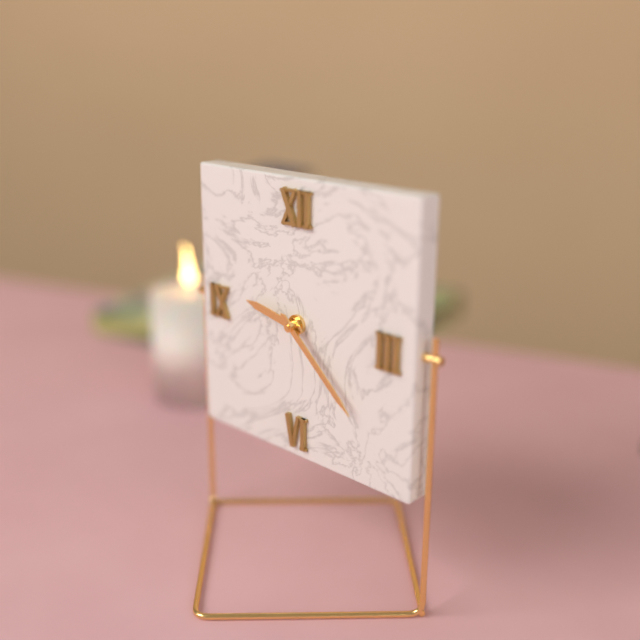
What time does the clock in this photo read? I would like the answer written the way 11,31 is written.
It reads 9,22
